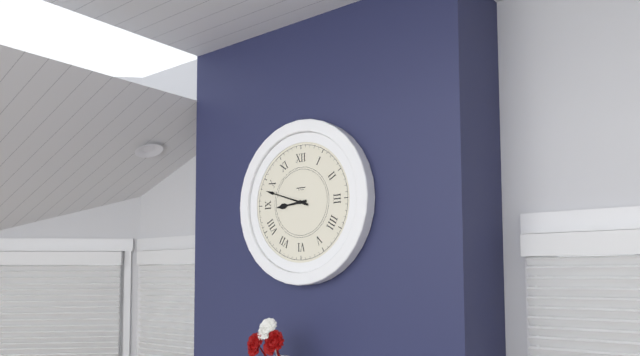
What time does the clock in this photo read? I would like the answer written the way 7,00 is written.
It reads 8,48
